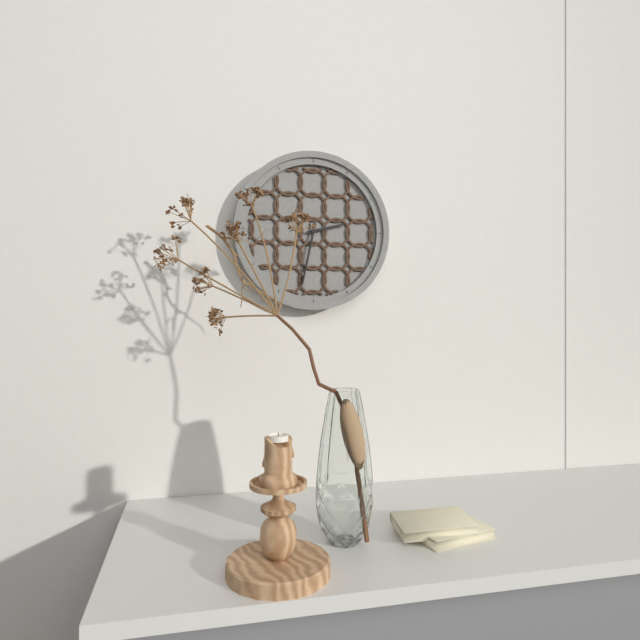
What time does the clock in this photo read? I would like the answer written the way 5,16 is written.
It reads 2,32
